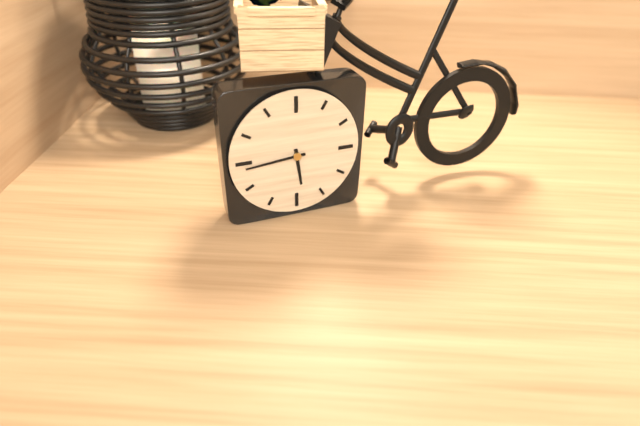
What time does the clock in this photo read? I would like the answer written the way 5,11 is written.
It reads 5,44
